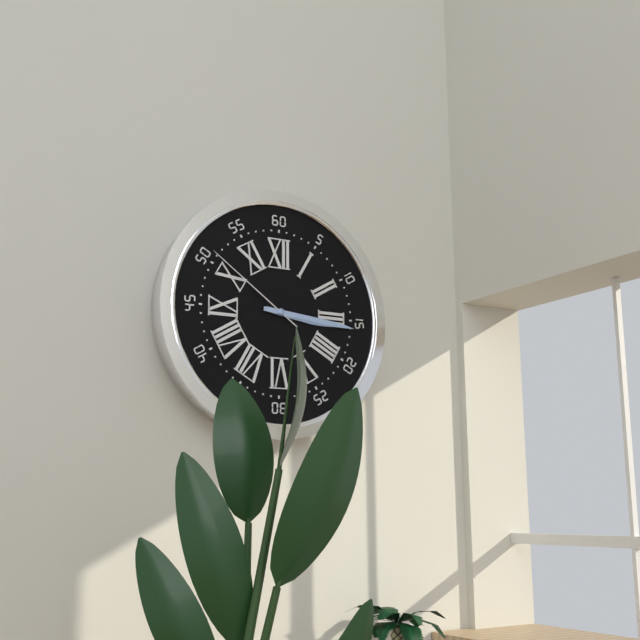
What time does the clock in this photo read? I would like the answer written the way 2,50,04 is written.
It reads 3,16,51
